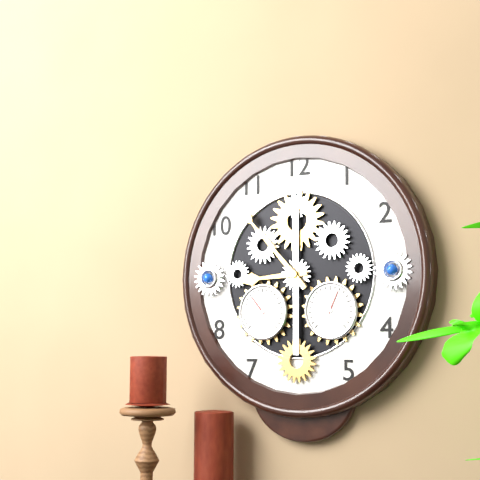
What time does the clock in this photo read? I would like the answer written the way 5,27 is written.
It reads 8,53
